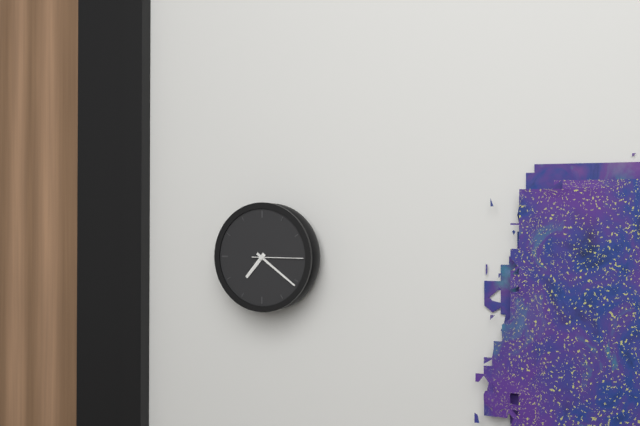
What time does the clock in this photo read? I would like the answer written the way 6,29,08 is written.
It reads 7,21,15
